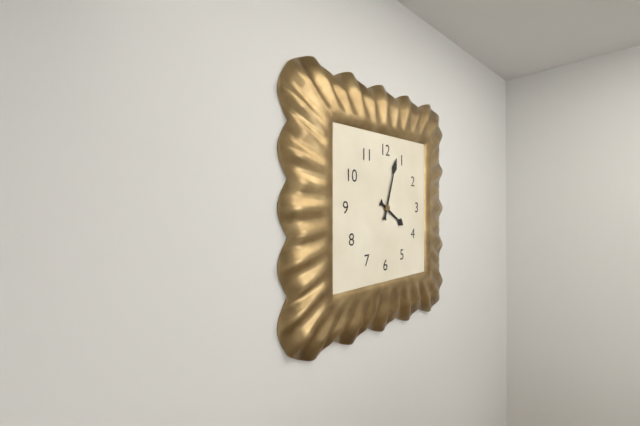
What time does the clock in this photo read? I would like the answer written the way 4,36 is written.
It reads 4,03
